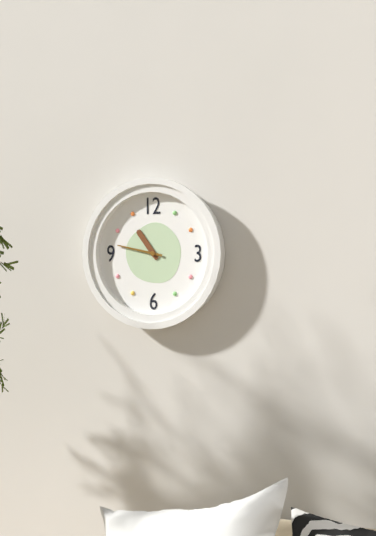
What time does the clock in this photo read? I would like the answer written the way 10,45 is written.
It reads 10,47
